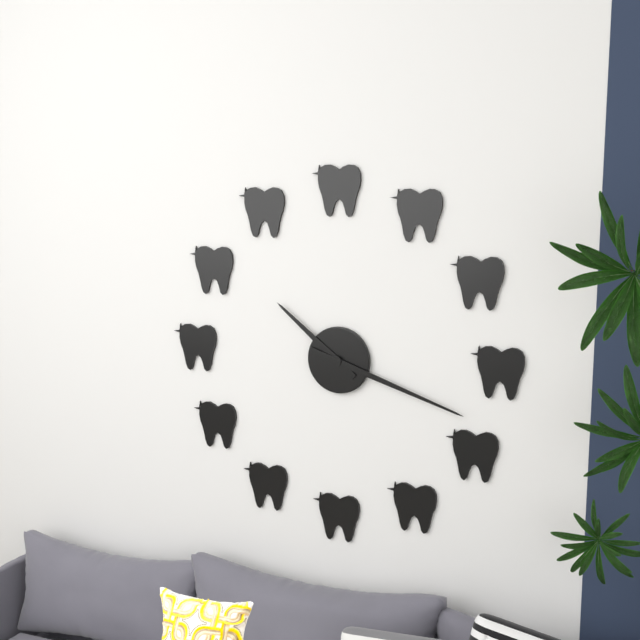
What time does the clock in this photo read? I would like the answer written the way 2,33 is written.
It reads 10,18
